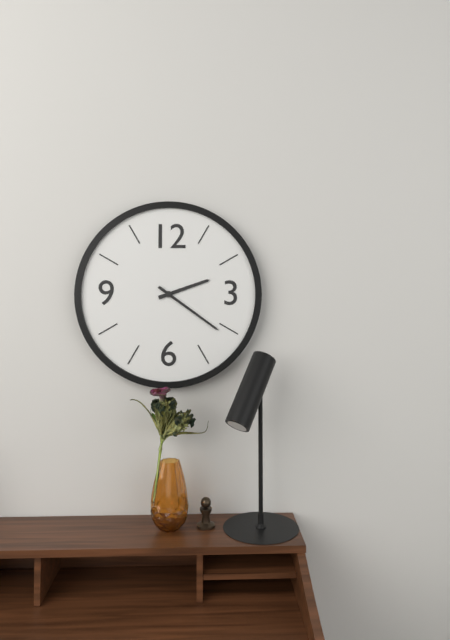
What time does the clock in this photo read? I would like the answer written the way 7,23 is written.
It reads 2,21
